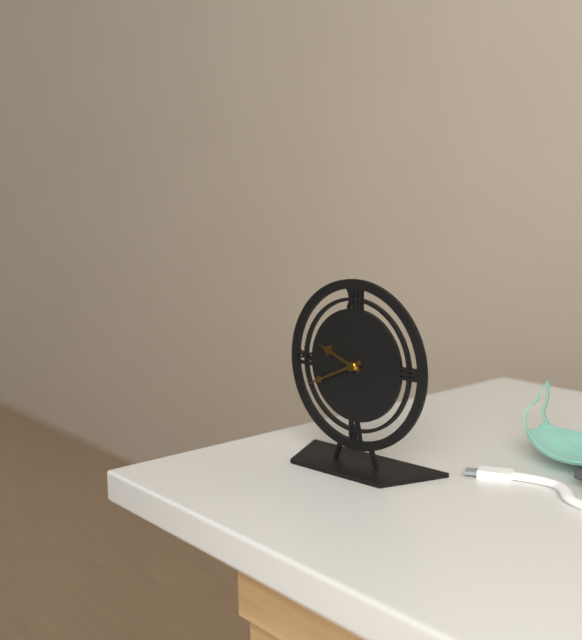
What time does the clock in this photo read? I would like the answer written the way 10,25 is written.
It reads 9,41
